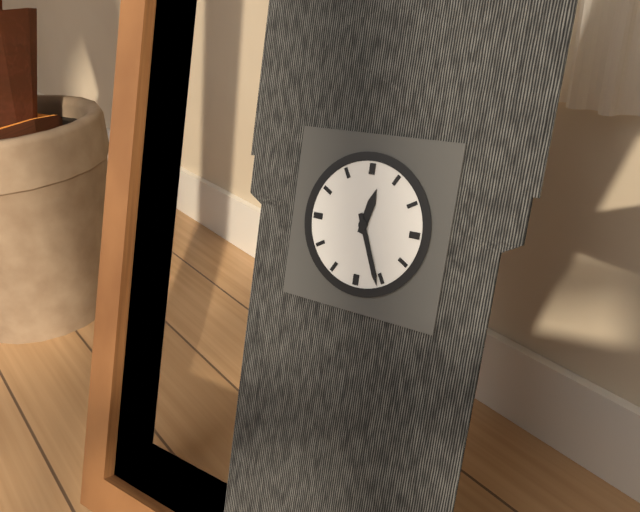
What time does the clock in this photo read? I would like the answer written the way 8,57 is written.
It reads 12,26
